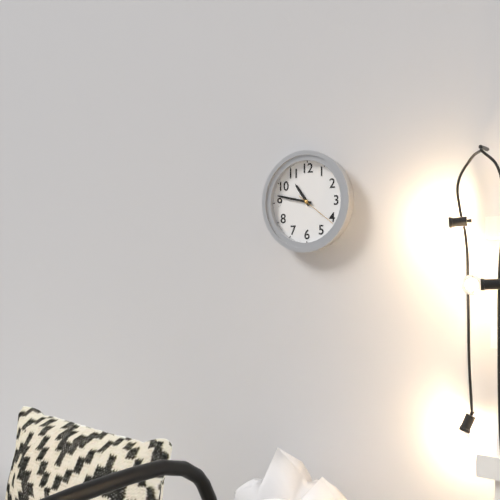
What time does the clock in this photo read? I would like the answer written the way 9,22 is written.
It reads 10,47
